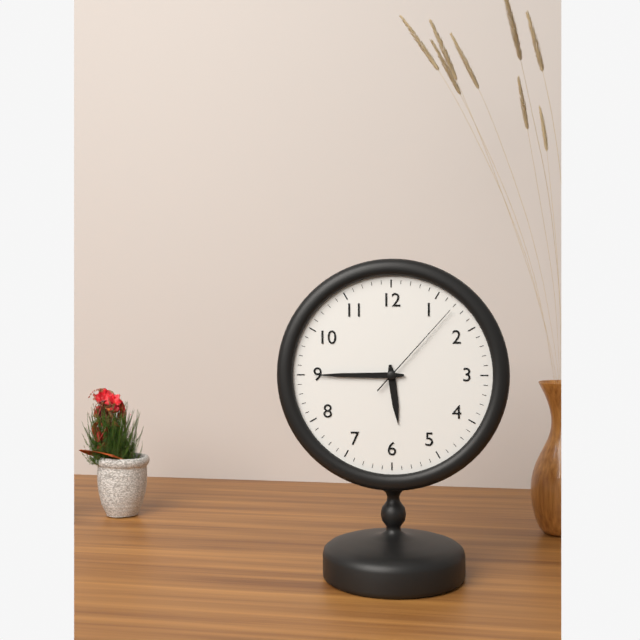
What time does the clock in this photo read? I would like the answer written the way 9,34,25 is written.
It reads 5,45,07
